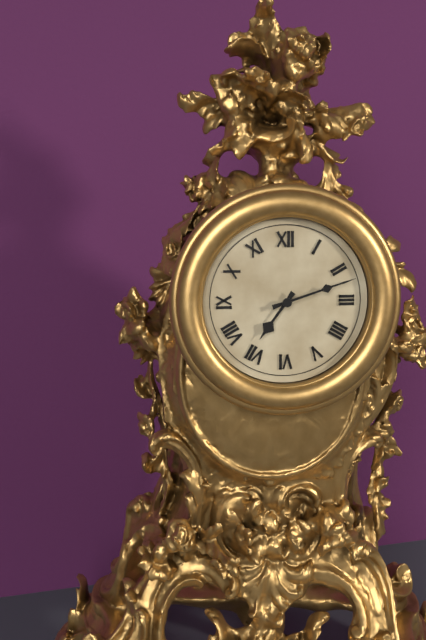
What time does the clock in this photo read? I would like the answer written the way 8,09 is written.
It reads 7,12
